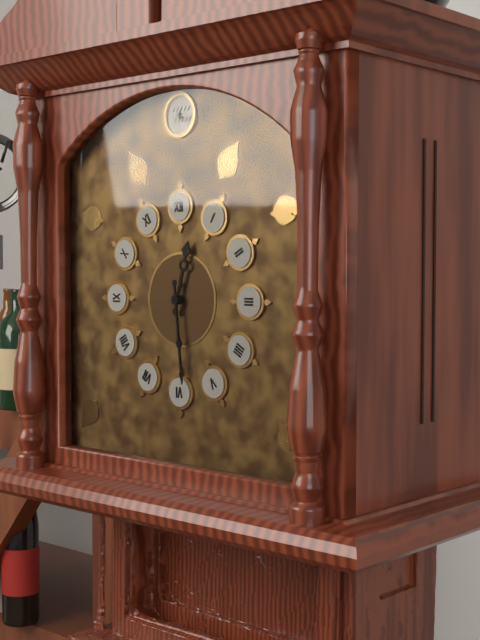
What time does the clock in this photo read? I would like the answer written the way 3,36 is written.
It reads 12,29
